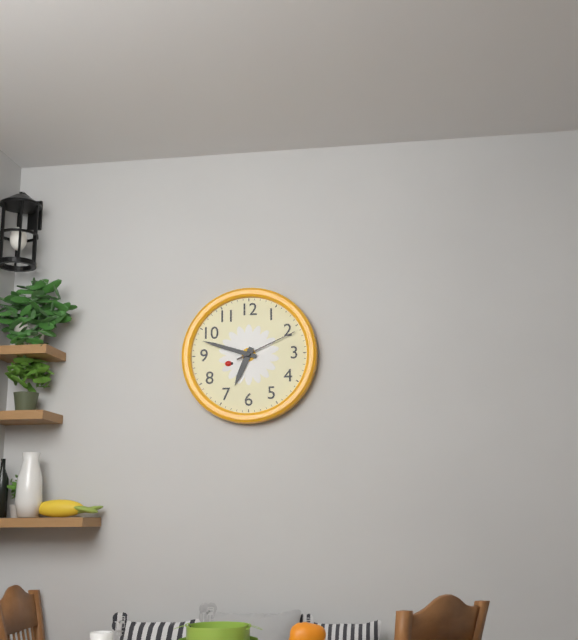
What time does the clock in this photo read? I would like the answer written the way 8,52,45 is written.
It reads 6,48,11
